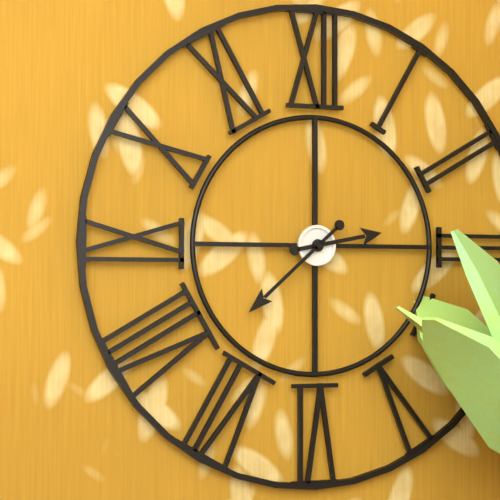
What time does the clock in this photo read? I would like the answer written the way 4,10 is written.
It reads 2,38
